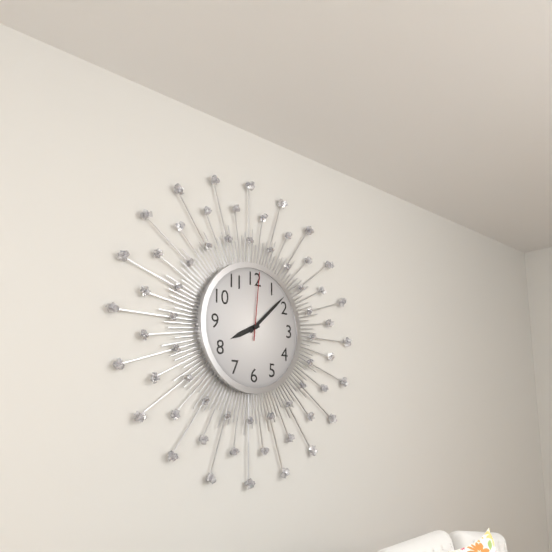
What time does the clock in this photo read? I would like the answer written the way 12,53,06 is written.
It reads 8,08,01
